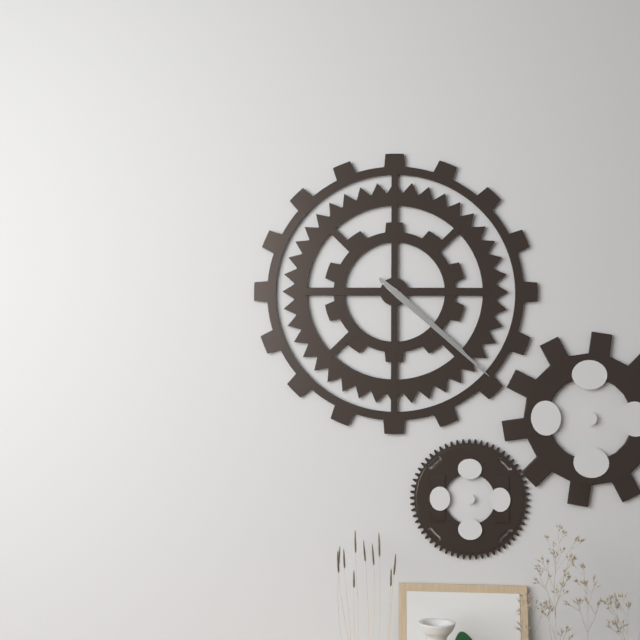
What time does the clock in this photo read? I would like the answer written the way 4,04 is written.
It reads 4,22
